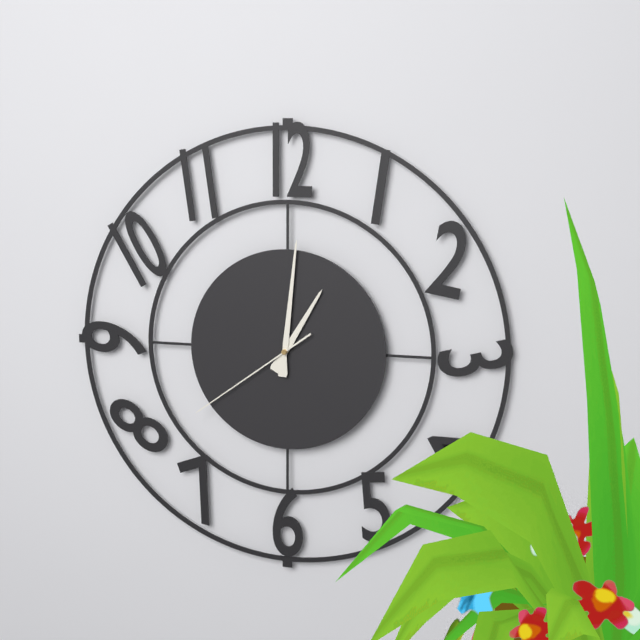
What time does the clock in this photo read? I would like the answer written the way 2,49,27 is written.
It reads 1,01,39
